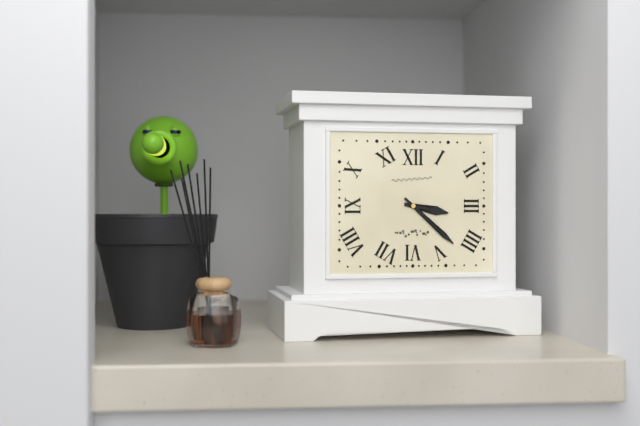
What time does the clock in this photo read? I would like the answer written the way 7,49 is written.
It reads 3,22
